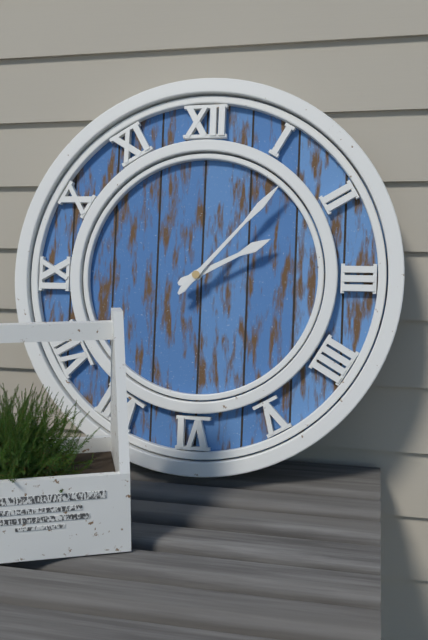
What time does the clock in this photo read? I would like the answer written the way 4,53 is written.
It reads 2,07
